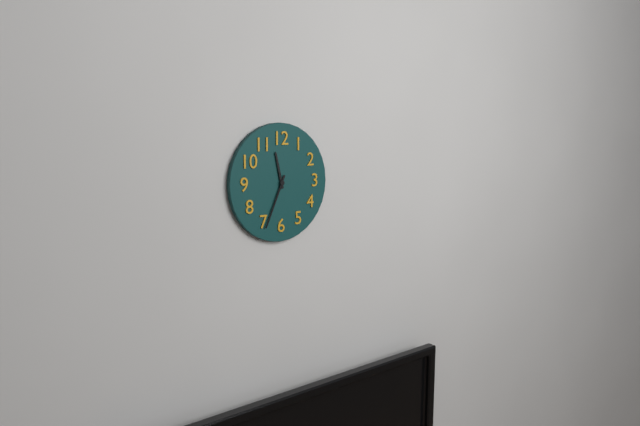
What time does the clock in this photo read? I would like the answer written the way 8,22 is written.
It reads 11,34
